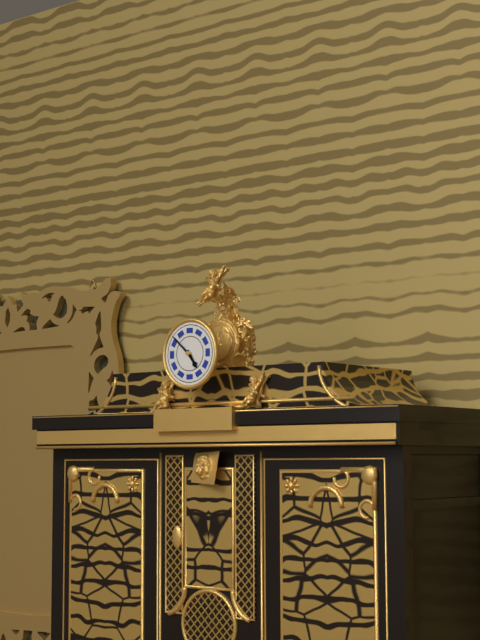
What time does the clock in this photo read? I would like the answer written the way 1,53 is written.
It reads 4,52
